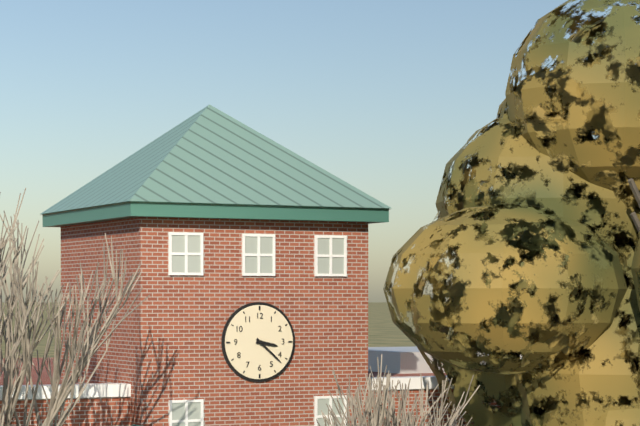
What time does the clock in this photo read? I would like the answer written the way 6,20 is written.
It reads 3,22
